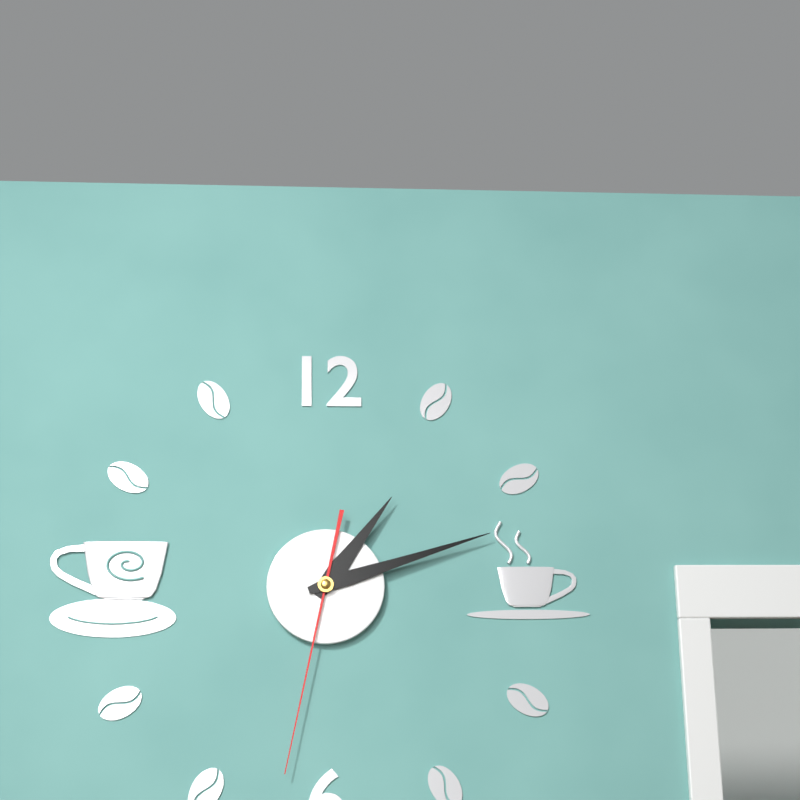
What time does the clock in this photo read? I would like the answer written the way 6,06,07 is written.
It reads 1,12,32
